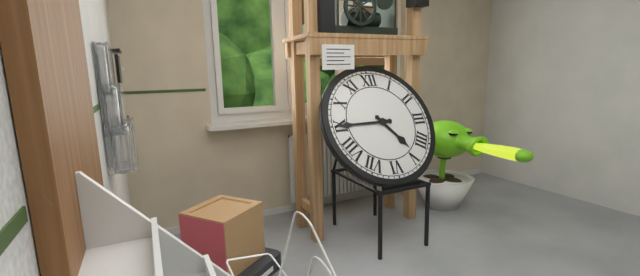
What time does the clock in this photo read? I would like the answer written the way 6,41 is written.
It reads 4,45
